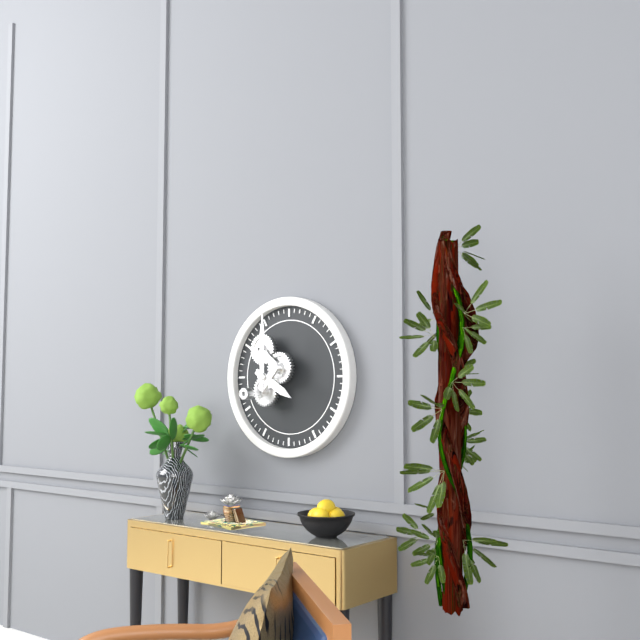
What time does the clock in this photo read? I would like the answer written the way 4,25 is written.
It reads 4,00
